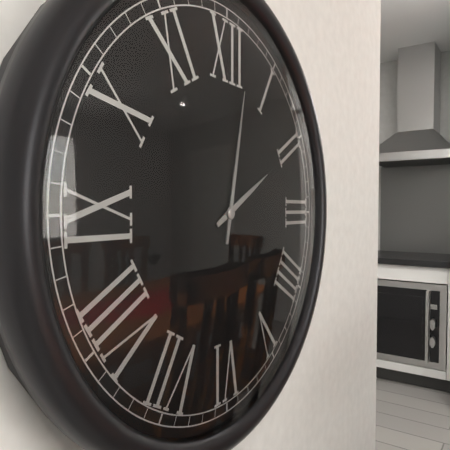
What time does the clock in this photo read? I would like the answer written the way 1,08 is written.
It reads 2,02
